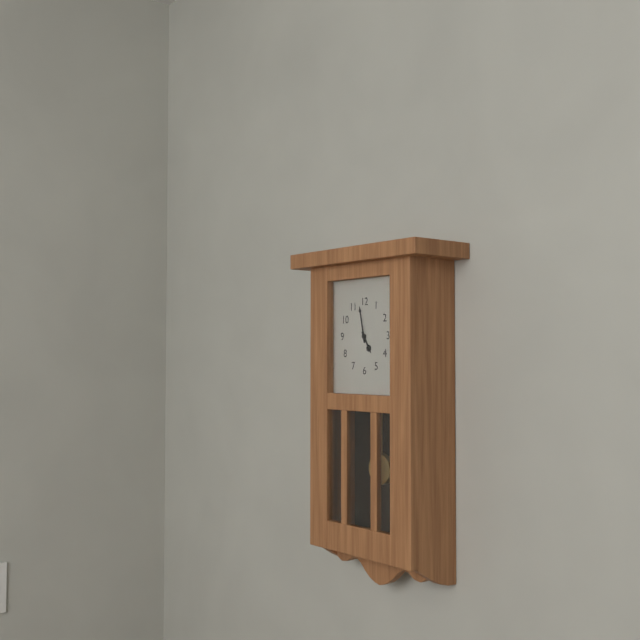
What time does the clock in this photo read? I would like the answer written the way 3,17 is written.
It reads 4,58
